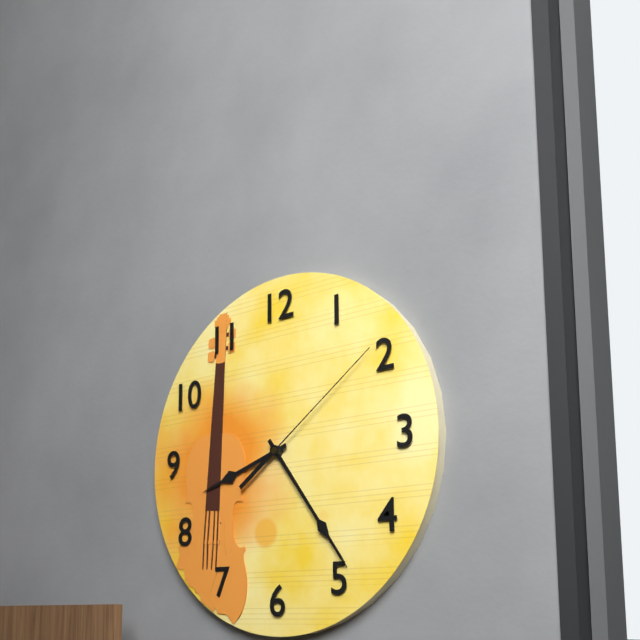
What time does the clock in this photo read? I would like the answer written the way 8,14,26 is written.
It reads 8,24,09
